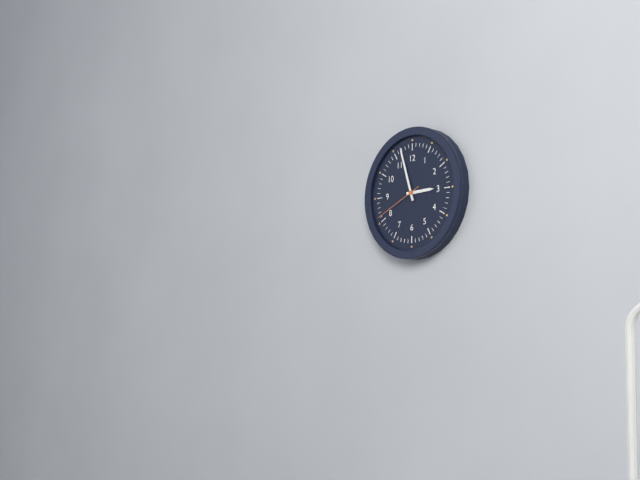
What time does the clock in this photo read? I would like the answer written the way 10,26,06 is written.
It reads 2,57,41
